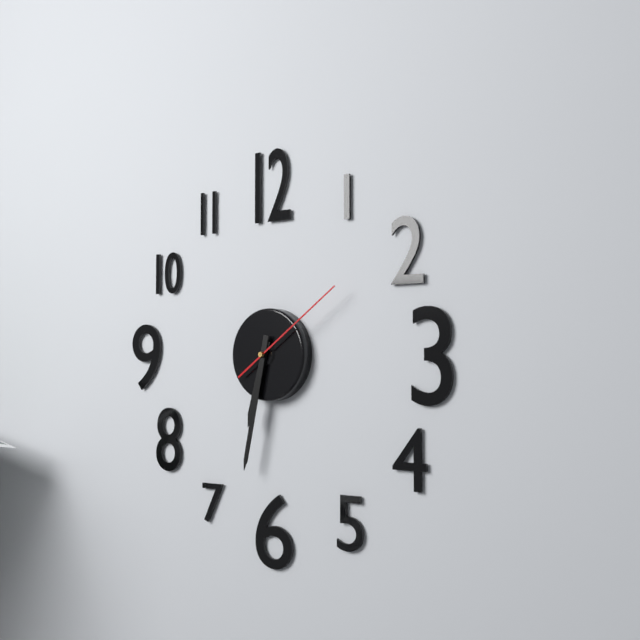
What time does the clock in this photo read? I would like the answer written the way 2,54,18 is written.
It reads 6,32,09
